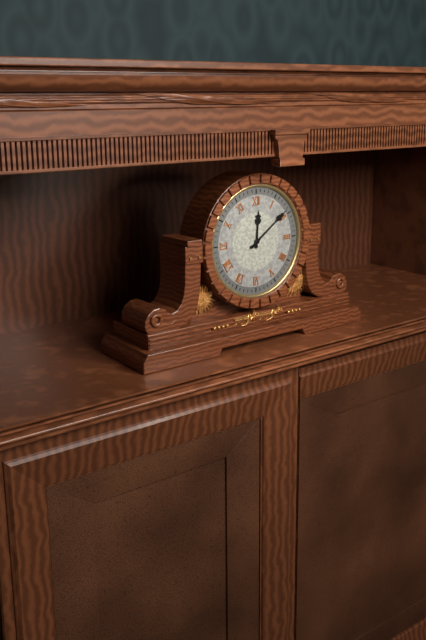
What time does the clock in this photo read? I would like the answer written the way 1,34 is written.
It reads 12,09
